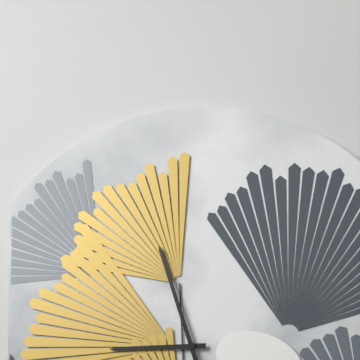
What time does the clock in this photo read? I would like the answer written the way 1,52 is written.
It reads 8,57
